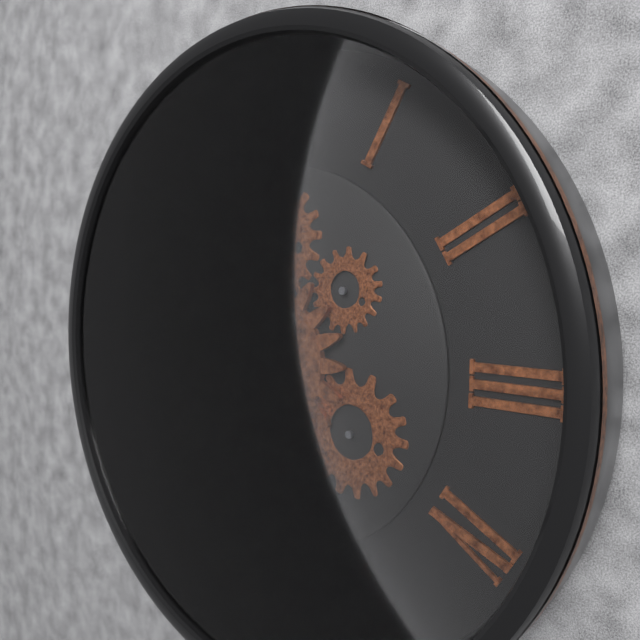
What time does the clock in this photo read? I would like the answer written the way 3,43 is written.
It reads 6,58
